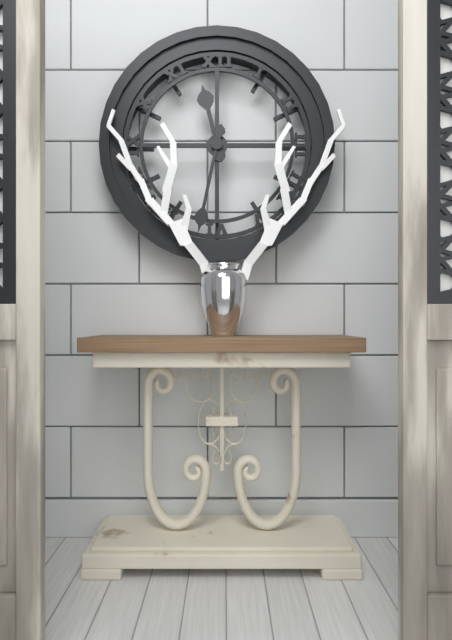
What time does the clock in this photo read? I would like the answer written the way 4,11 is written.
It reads 11,32
